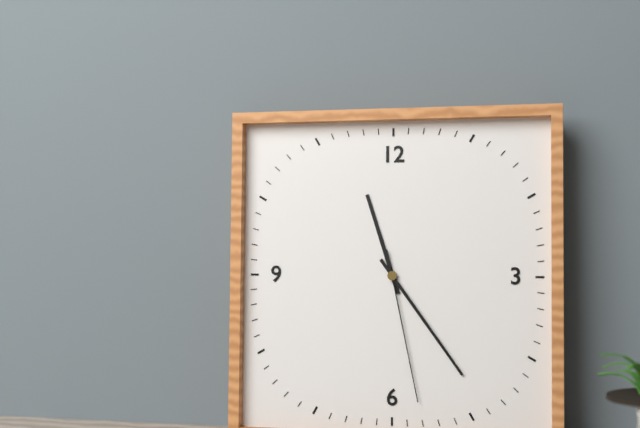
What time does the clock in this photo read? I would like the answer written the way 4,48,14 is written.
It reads 11,24,28
